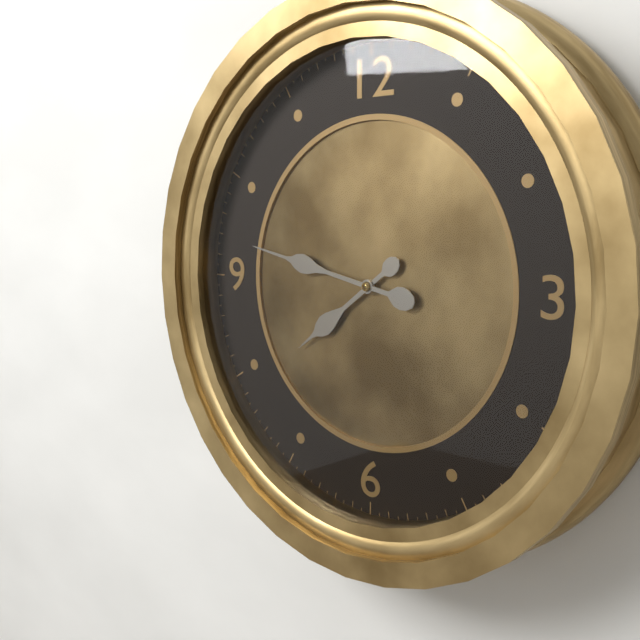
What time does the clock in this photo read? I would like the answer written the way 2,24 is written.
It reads 7,47
